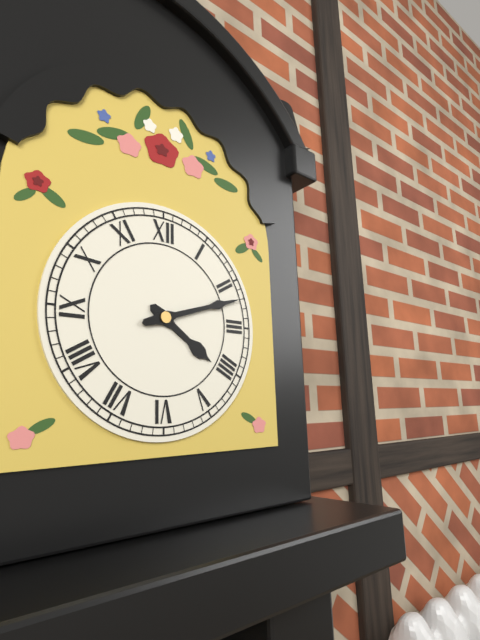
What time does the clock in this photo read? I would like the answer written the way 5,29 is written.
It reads 4,12
